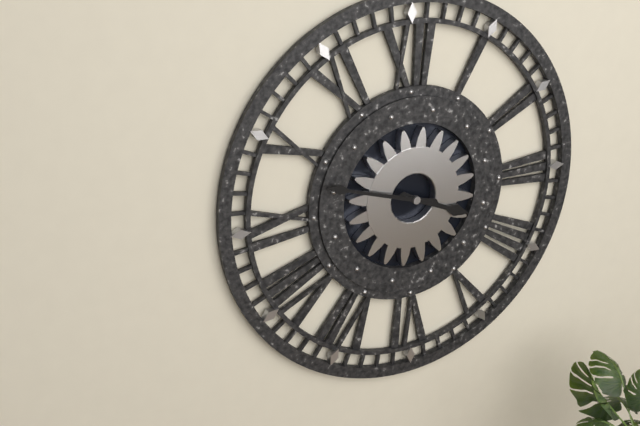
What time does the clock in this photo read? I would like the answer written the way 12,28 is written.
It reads 3,48
